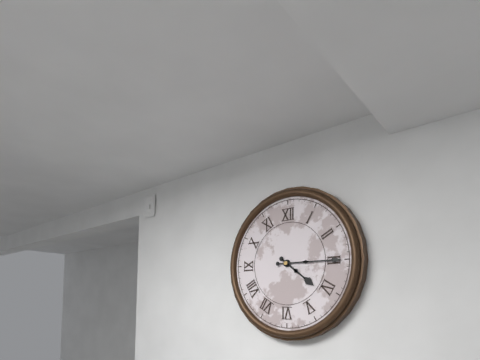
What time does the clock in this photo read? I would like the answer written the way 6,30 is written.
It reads 4,15
